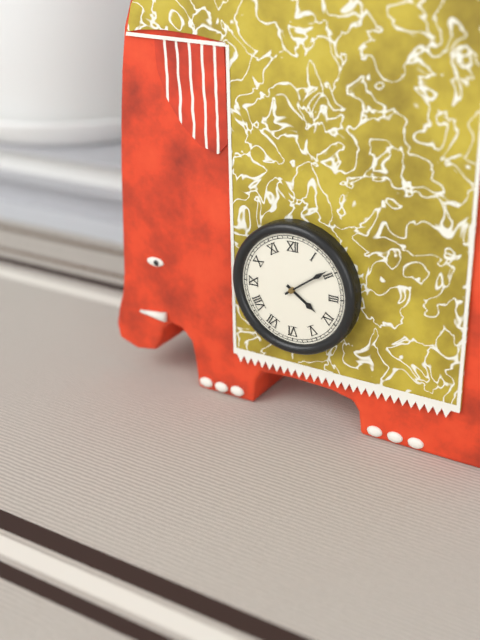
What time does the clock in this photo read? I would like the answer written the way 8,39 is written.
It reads 4,09
